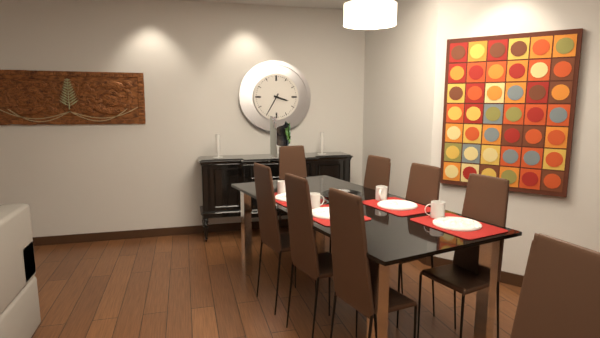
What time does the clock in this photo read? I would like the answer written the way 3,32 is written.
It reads 3,35
